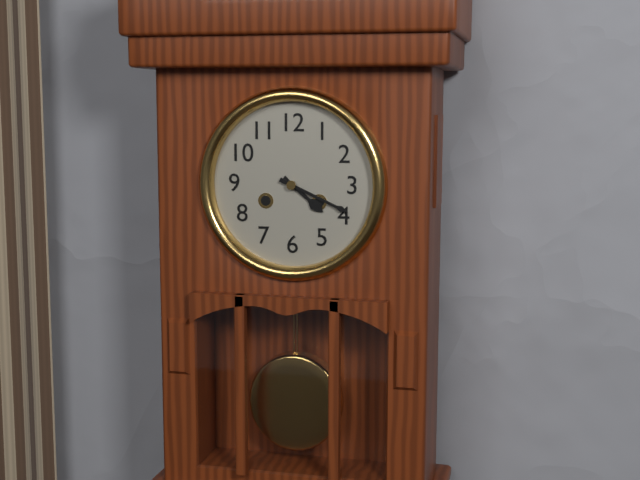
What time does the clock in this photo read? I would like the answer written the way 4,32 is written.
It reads 4,19
